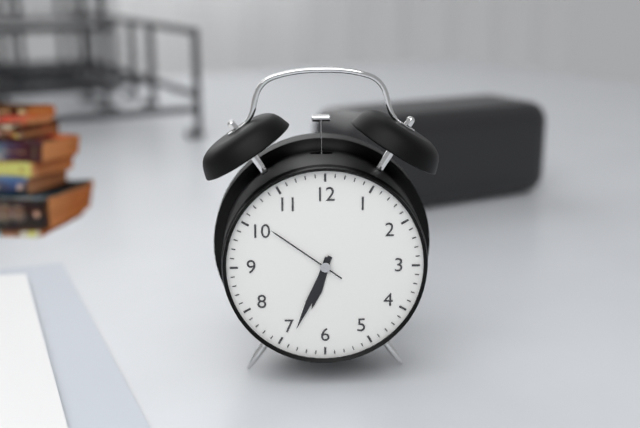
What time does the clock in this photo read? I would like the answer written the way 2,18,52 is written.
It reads 6,34,51
